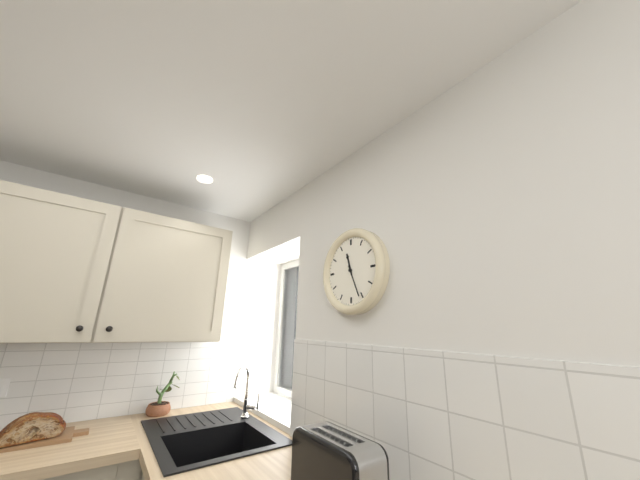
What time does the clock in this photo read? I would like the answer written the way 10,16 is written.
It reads 11,26
